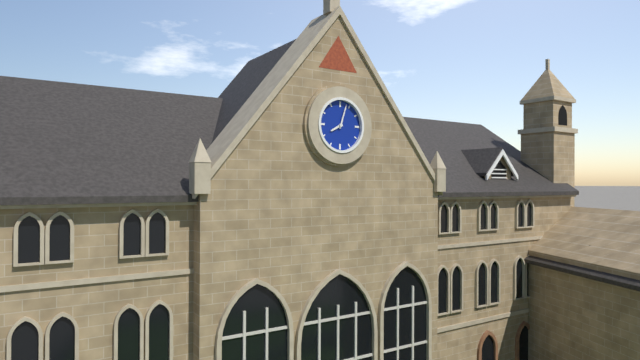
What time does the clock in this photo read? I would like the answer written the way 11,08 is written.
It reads 8,03
